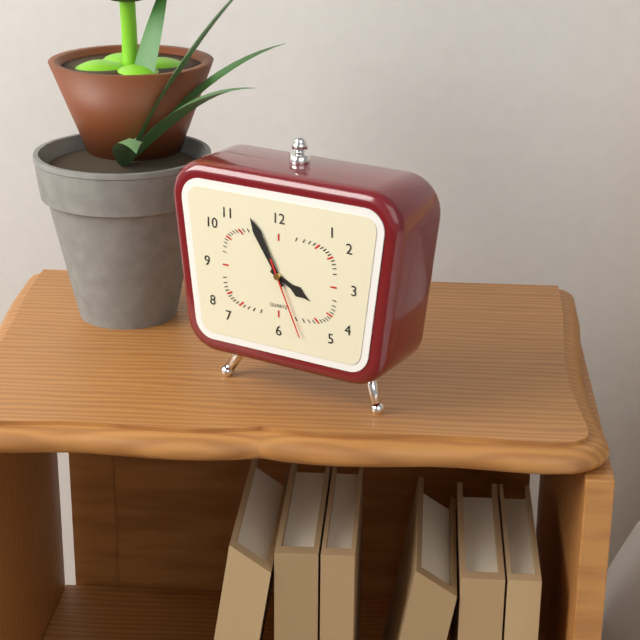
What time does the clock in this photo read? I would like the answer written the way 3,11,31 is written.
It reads 3,55,26
